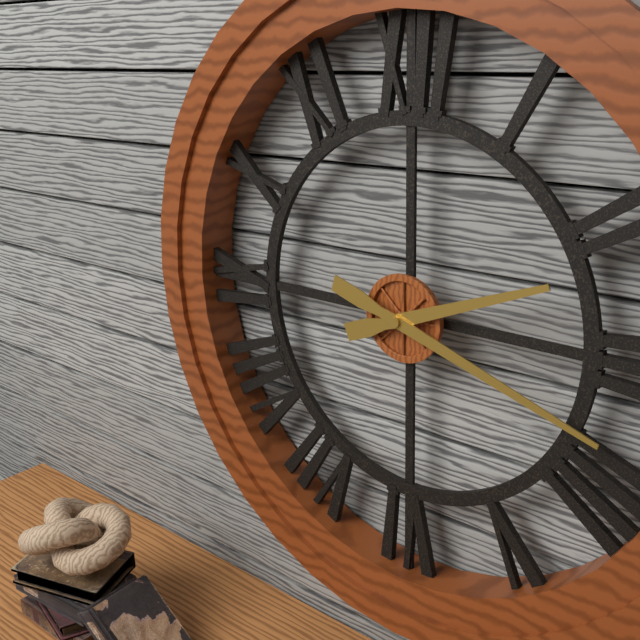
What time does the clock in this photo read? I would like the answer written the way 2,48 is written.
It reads 2,18
